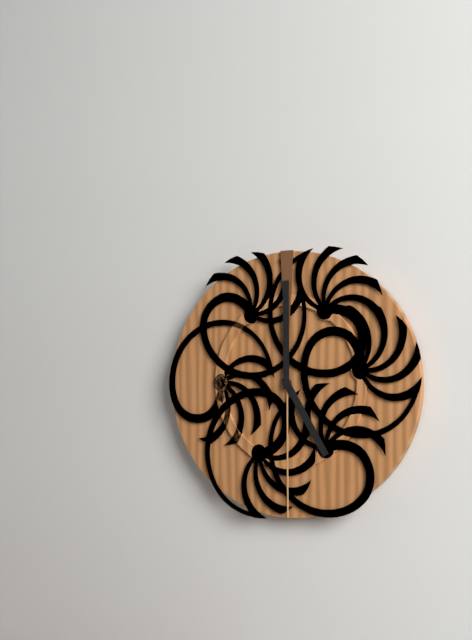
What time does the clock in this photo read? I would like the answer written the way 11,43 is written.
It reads 5,00
